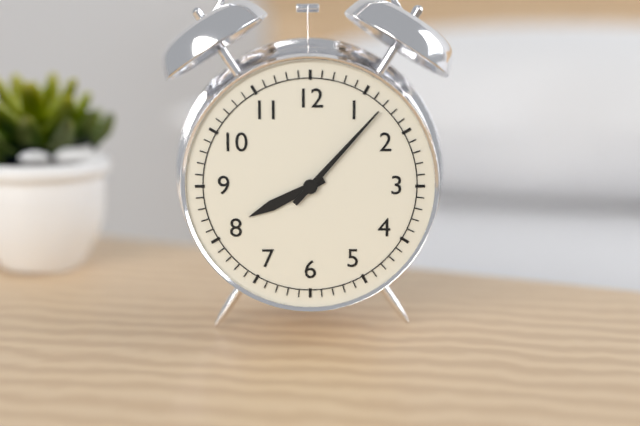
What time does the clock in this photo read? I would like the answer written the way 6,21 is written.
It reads 8,07
